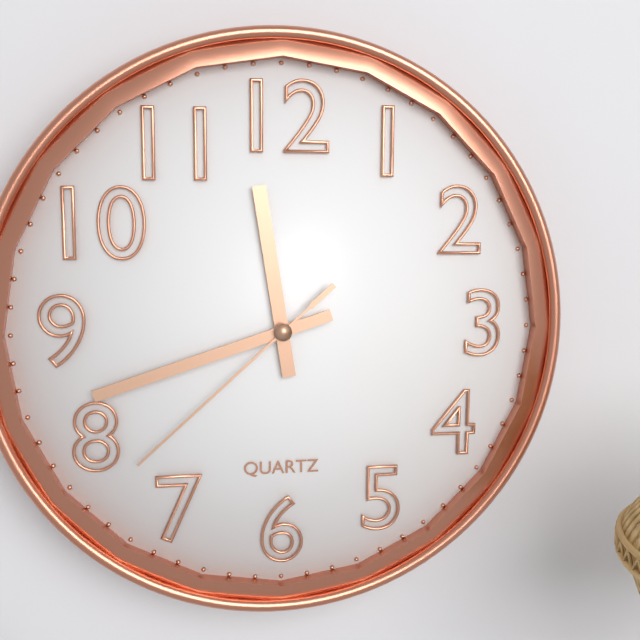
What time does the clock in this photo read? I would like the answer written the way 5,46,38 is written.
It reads 11,42,38
